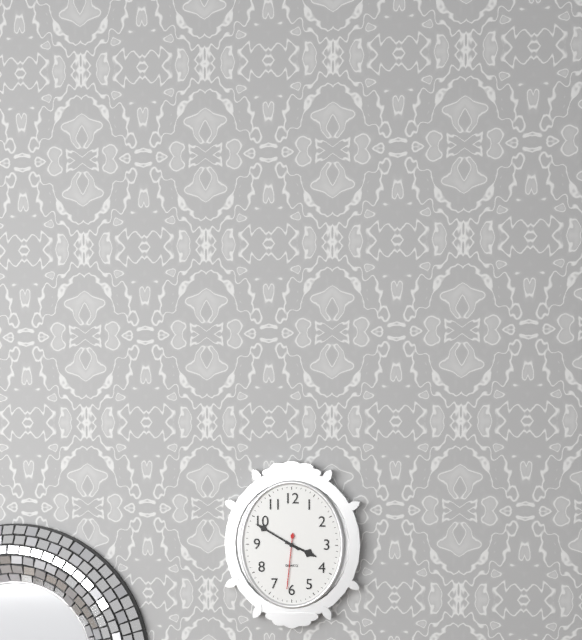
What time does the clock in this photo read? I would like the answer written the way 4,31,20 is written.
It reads 3,50,31
